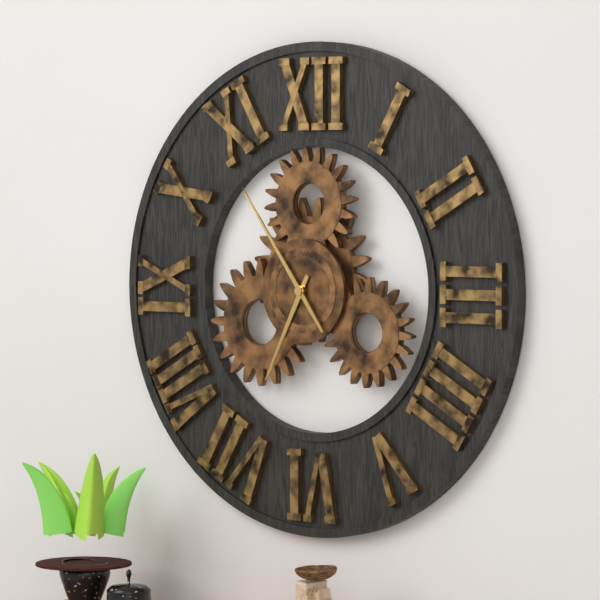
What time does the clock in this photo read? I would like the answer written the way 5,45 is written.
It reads 6,54
